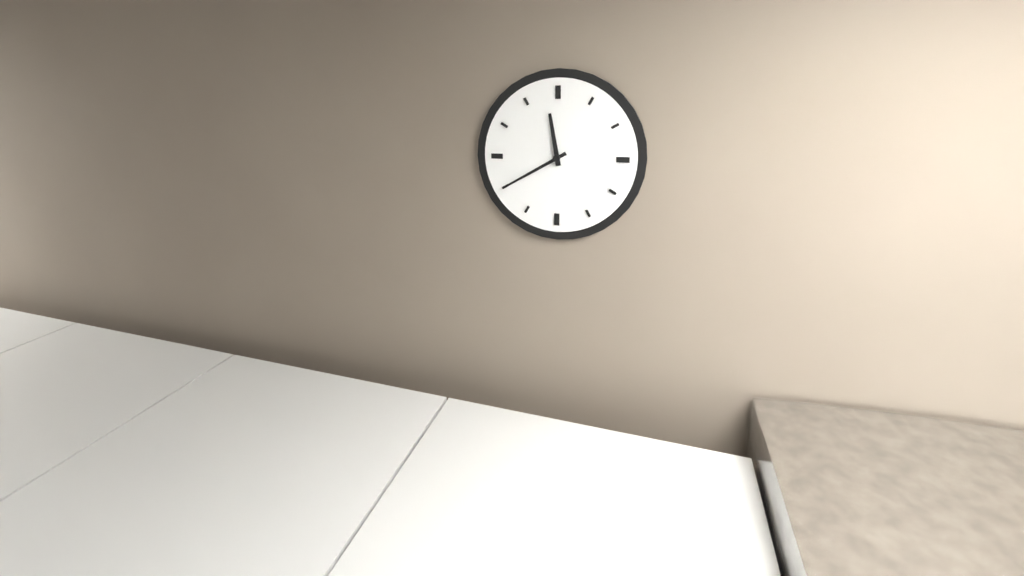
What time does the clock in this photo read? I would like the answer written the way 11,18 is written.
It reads 11,40
